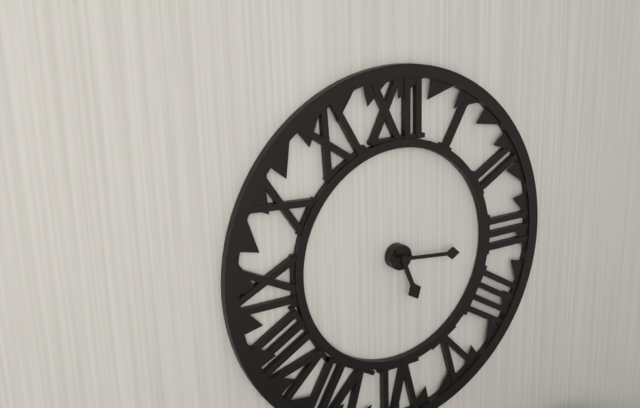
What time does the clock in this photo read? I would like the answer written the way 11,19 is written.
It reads 5,16
